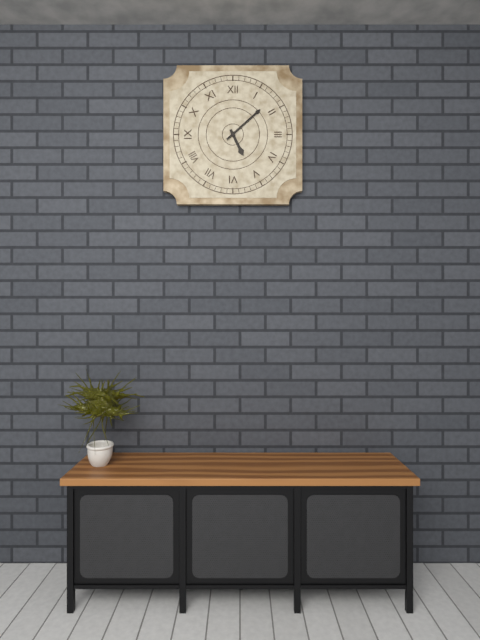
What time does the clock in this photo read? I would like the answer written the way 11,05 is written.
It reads 5,08
